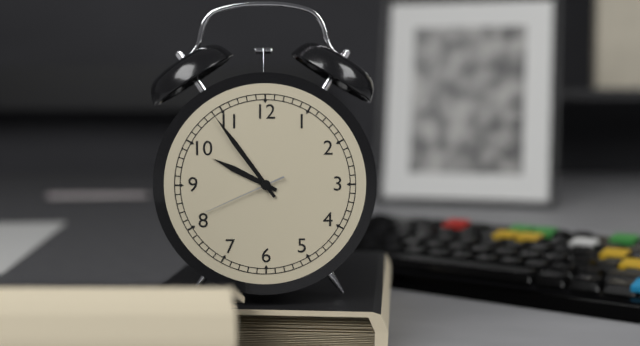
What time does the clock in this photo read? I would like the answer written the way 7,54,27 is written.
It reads 9,54,41
